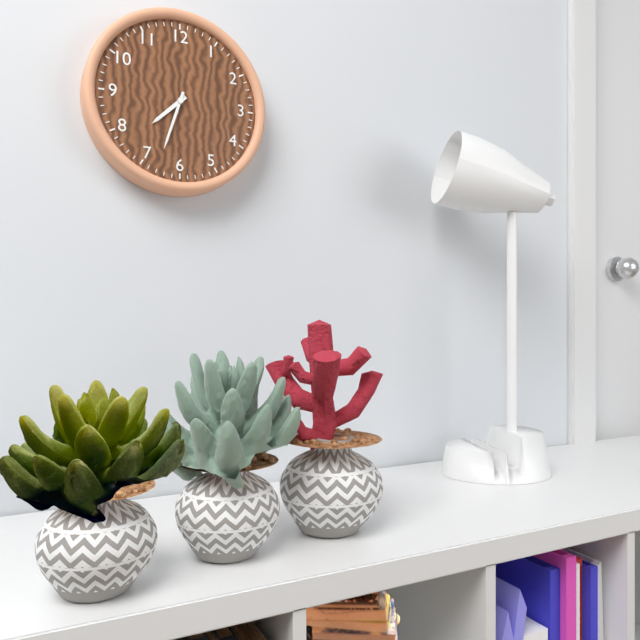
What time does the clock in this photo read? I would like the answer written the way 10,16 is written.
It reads 7,33
